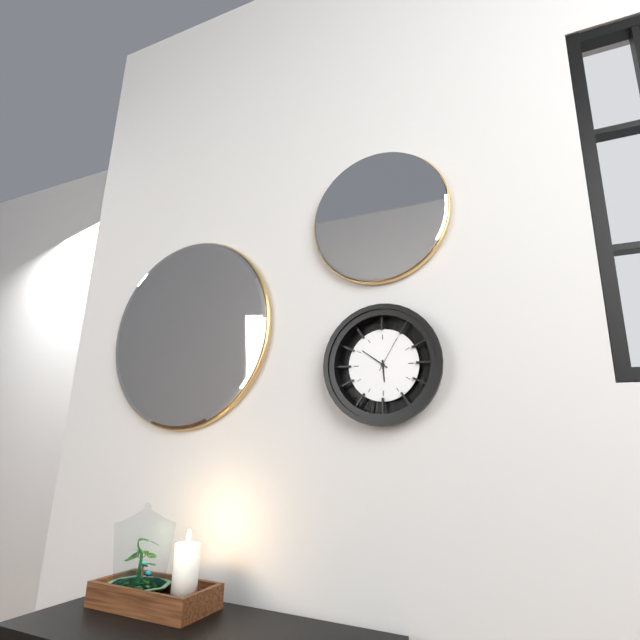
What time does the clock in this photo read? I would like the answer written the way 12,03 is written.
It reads 5,51
